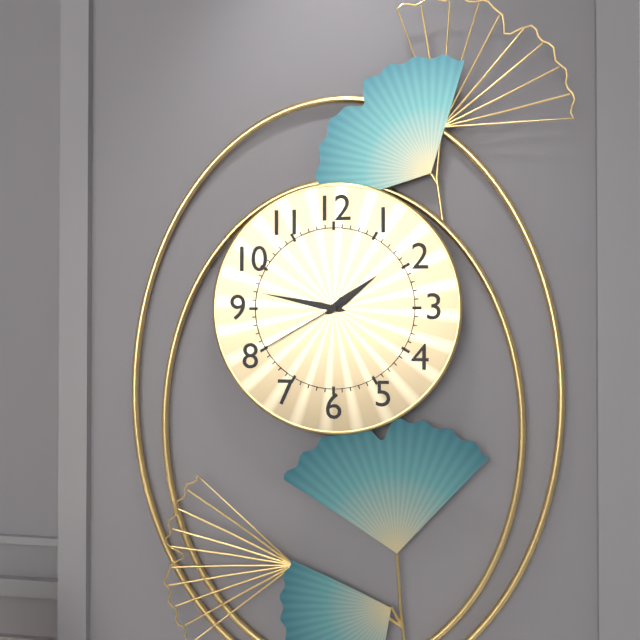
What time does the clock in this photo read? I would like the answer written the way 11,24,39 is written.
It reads 1,47,40
